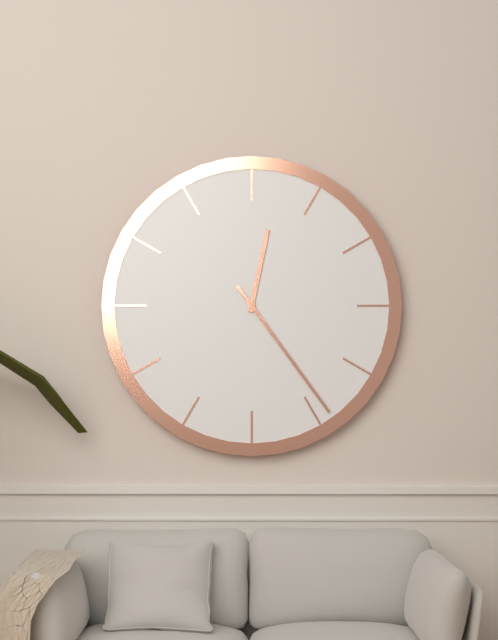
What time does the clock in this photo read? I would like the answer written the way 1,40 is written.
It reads 12,24
